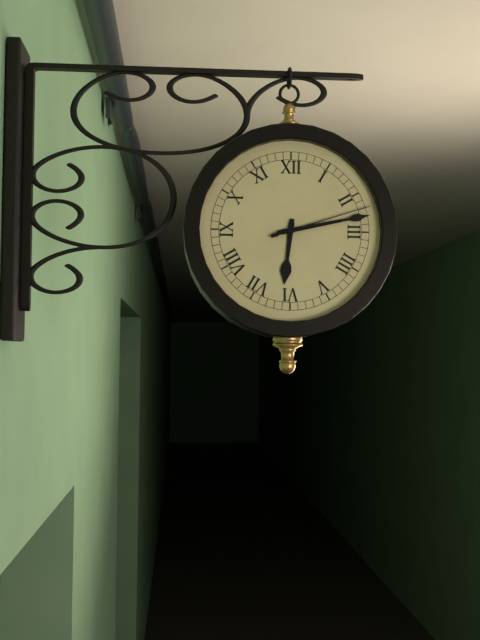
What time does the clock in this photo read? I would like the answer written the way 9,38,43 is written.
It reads 6,13,12
